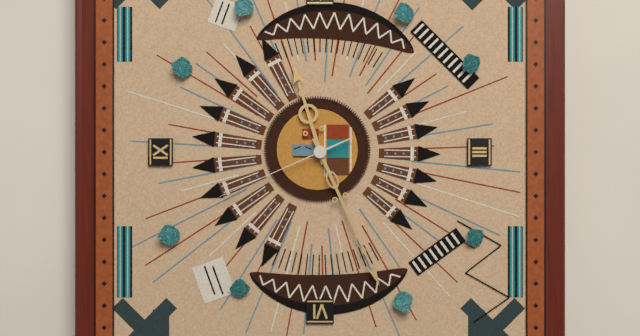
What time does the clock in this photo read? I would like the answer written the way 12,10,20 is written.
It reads 11,26,41
